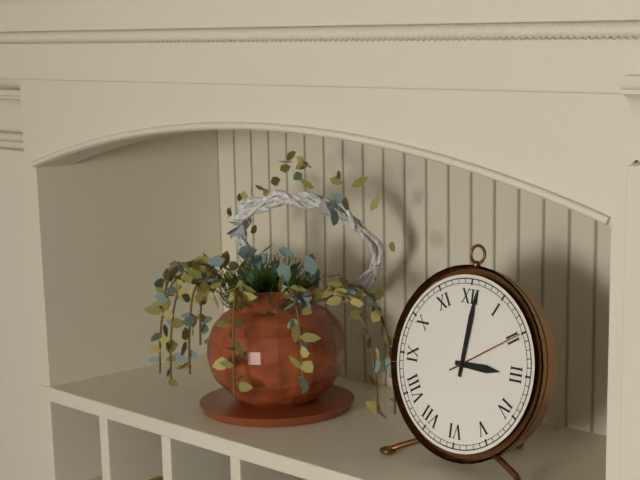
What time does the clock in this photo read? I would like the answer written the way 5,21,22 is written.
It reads 3,01,10
